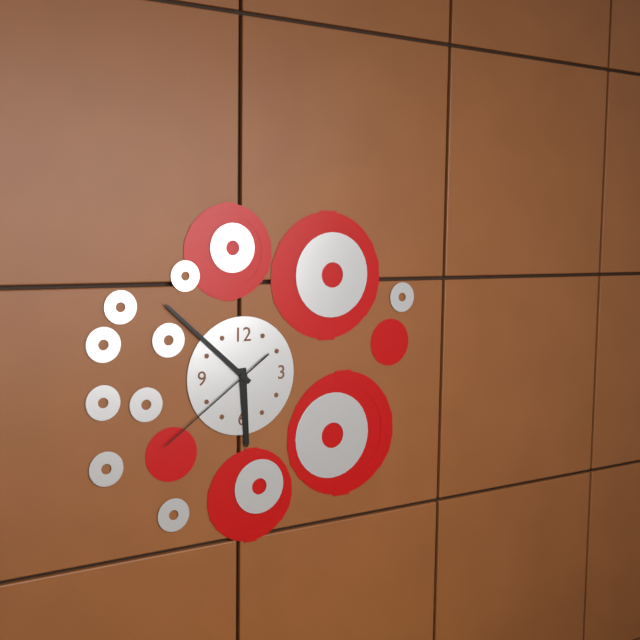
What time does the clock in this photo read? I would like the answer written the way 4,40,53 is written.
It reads 5,52,39
